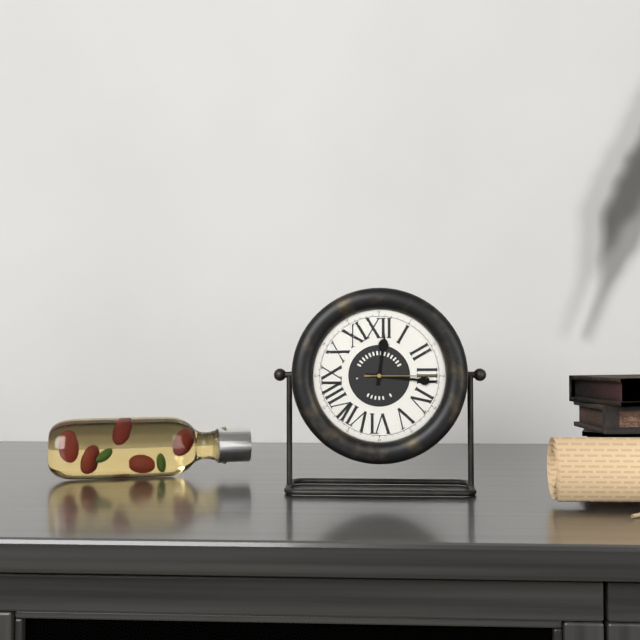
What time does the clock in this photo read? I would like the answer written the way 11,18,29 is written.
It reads 12,16,15
